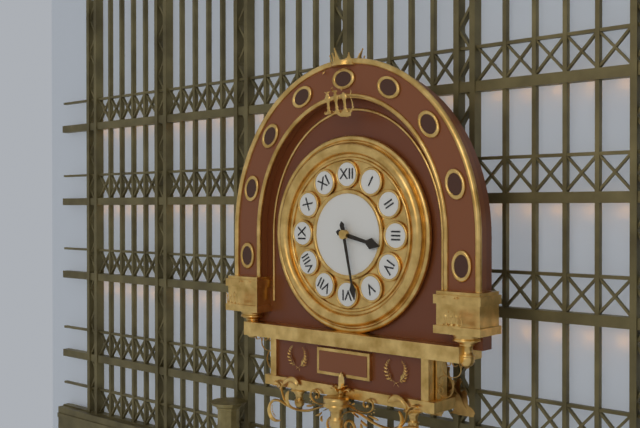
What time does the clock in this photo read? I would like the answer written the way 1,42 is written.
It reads 3,28
